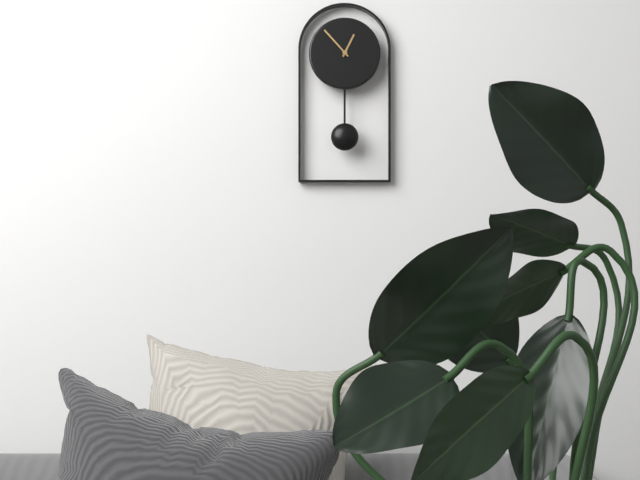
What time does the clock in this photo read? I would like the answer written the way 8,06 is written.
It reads 12,53
